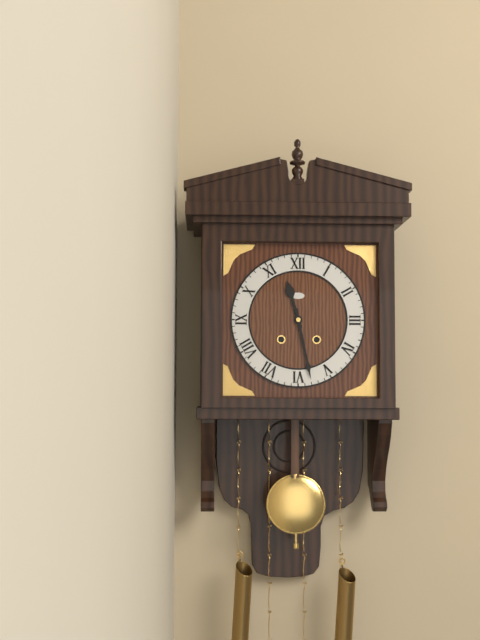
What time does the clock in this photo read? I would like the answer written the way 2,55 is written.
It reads 11,28
